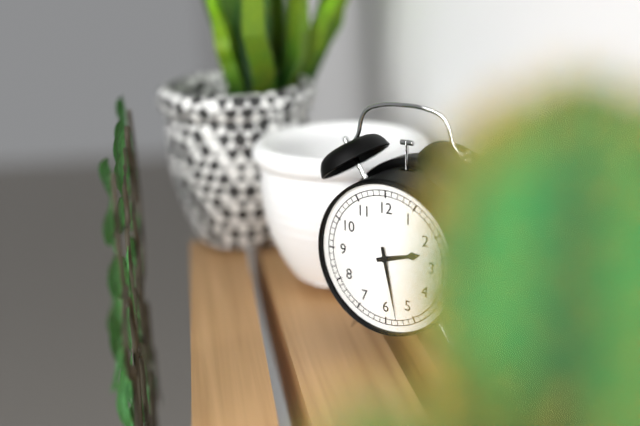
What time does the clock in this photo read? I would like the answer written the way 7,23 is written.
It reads 2,28
